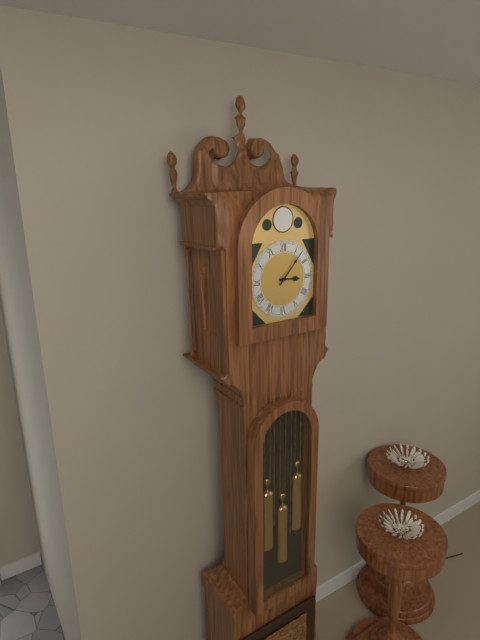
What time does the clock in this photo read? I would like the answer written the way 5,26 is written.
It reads 3,07
